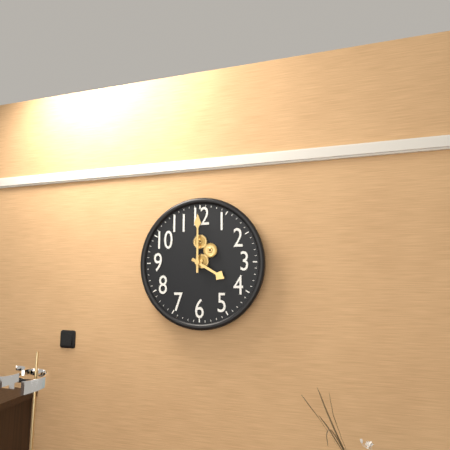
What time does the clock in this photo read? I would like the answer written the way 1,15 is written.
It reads 4,00
